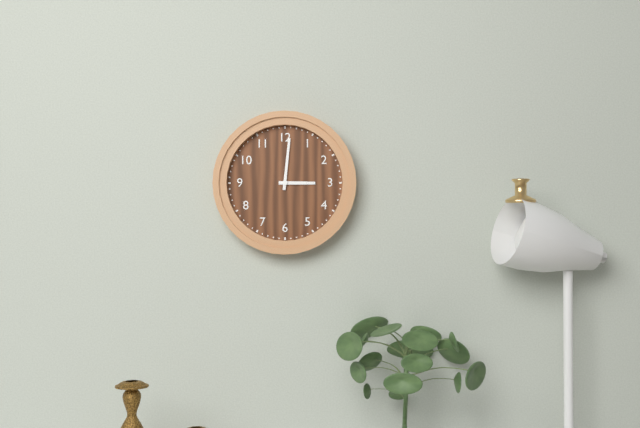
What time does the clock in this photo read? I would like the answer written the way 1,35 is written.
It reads 3,01
